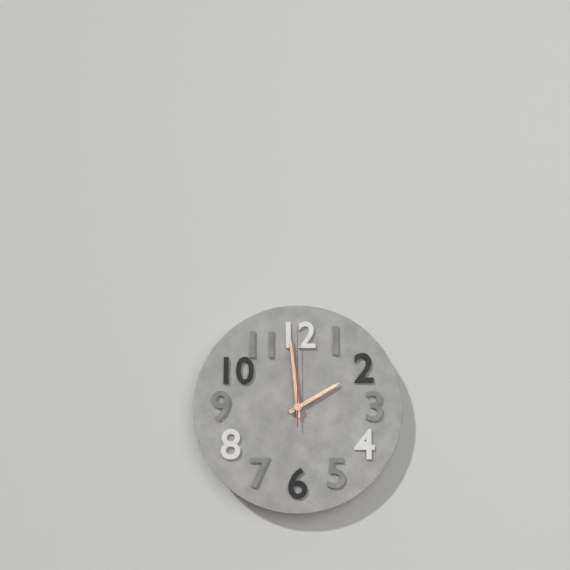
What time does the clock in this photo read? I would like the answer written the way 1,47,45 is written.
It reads 1,59,00
